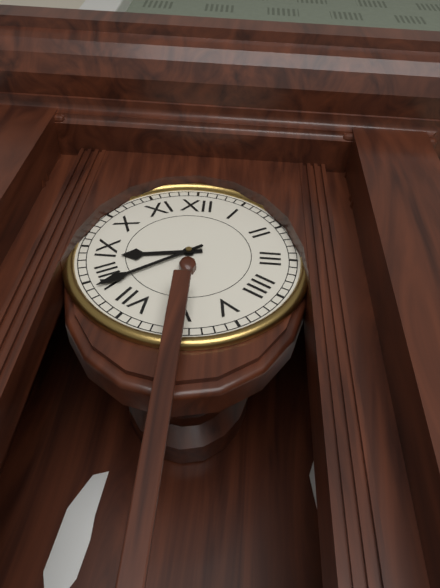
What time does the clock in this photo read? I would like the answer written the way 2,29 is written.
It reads 8,39
